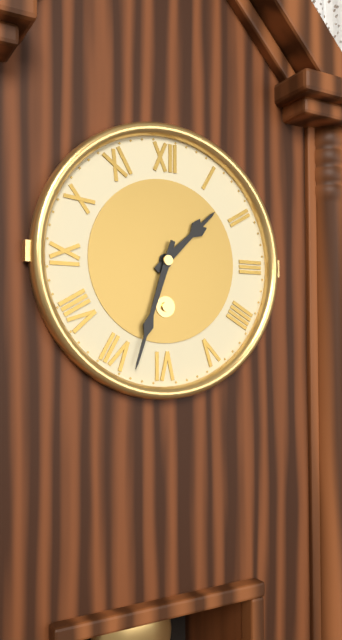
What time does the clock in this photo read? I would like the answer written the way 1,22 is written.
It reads 1,33
